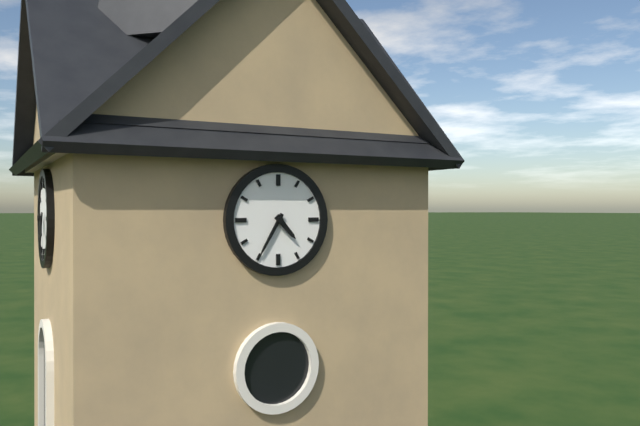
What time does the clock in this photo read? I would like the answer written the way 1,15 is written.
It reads 4,35
